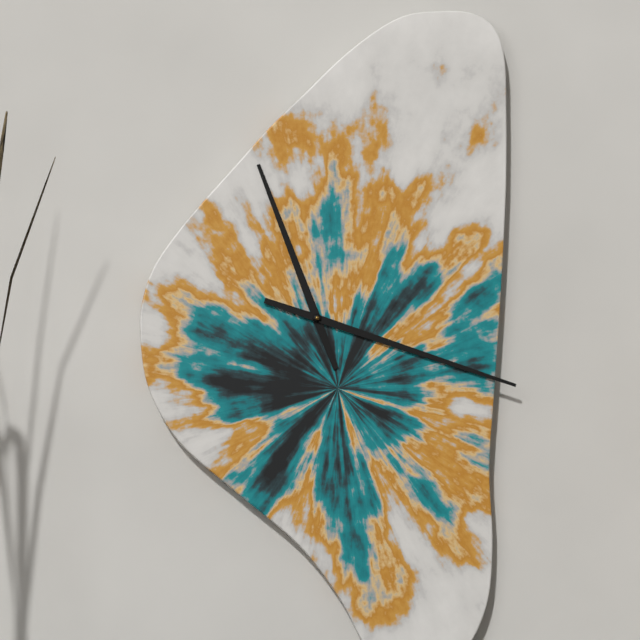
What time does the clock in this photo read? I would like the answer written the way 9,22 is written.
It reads 11,18
